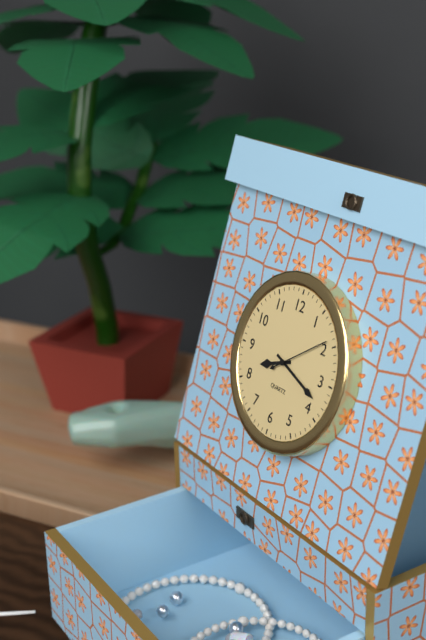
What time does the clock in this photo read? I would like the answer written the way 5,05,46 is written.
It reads 8,18,09
